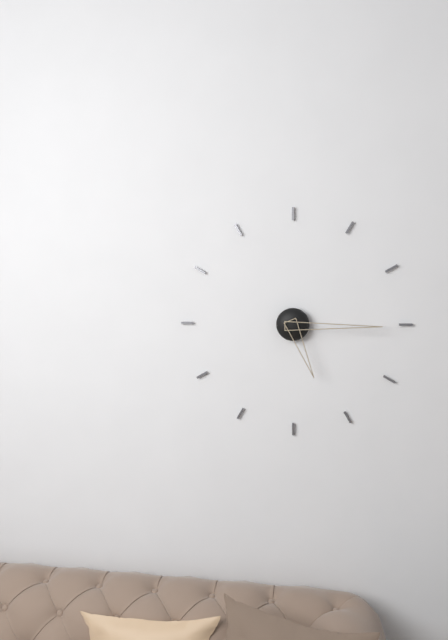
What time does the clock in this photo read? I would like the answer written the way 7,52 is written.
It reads 5,15
